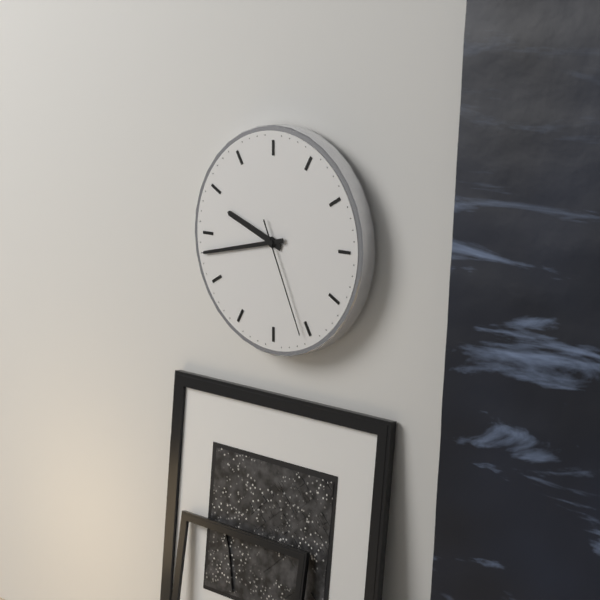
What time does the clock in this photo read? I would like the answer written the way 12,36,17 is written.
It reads 9,43,26
